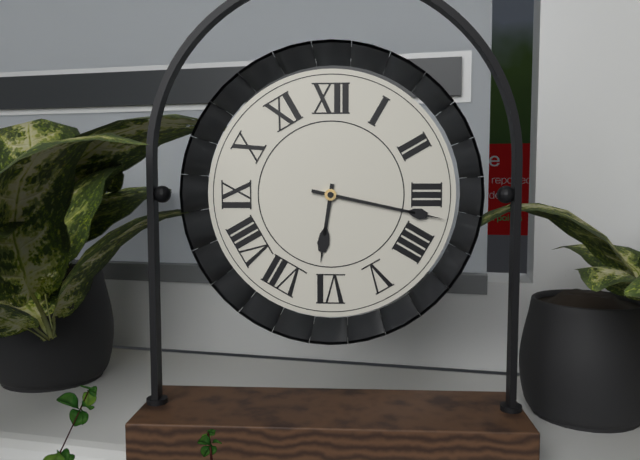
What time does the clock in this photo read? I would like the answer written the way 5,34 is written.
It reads 6,17
